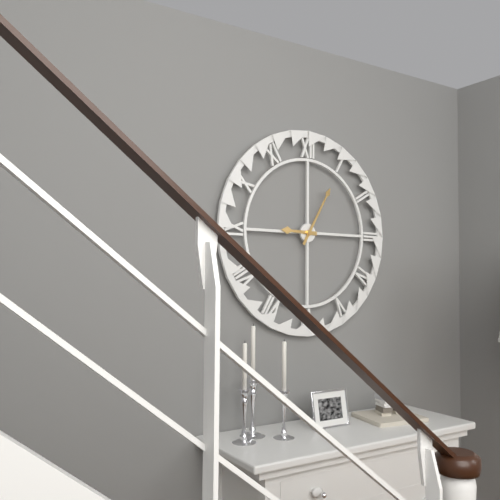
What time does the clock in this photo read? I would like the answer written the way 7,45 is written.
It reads 9,05
